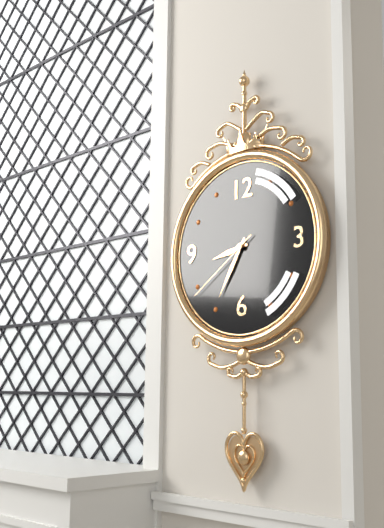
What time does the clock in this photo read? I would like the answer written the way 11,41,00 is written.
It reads 8,35,39
